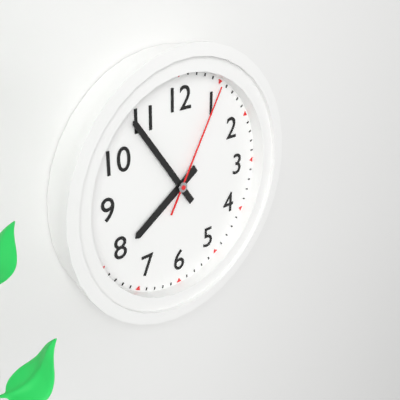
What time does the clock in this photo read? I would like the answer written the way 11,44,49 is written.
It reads 7,54,05
